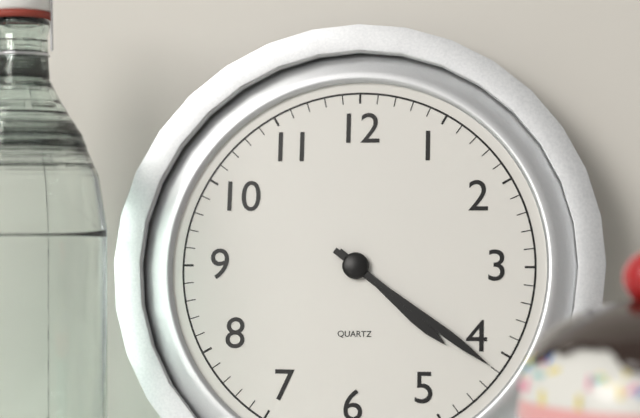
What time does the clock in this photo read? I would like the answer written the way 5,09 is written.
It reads 4,21
